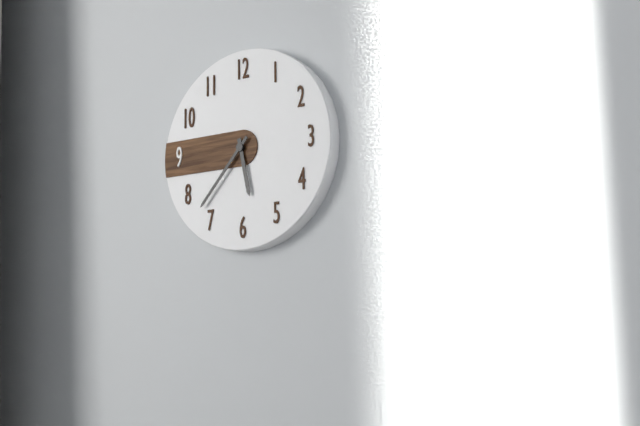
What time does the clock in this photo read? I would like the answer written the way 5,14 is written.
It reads 5,37
